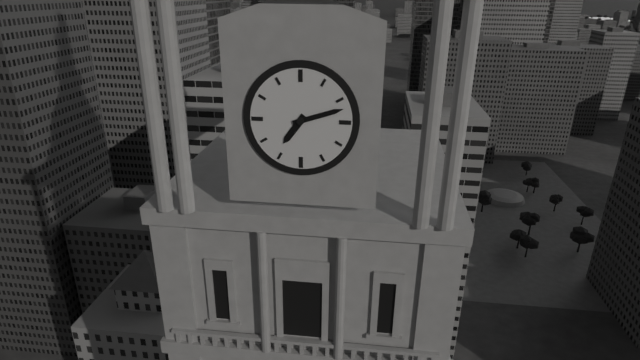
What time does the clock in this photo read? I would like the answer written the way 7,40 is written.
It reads 7,12
